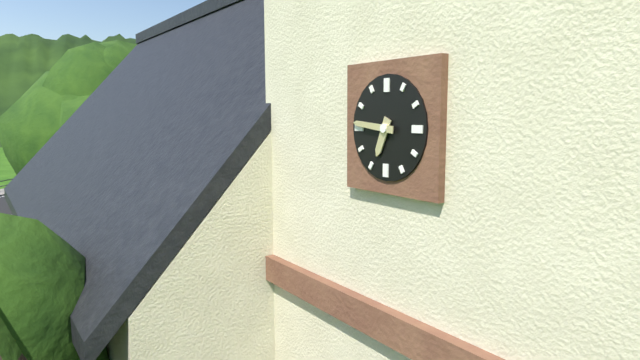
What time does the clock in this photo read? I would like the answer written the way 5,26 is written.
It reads 6,46
